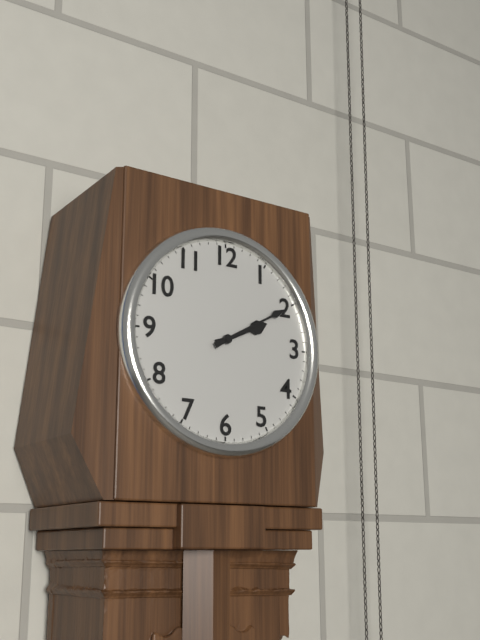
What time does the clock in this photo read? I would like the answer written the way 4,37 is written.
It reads 2,10
